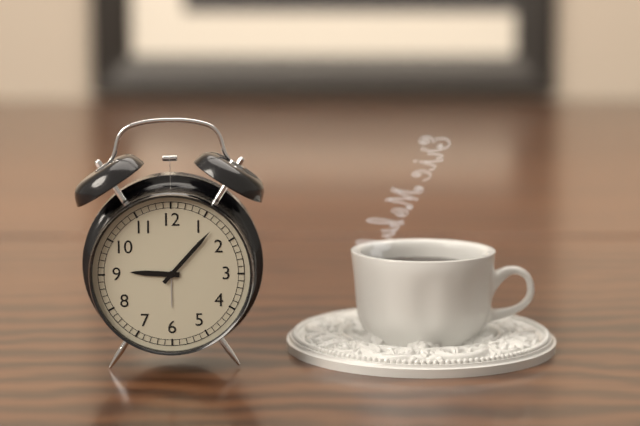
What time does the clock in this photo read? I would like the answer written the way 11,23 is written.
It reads 9,07
